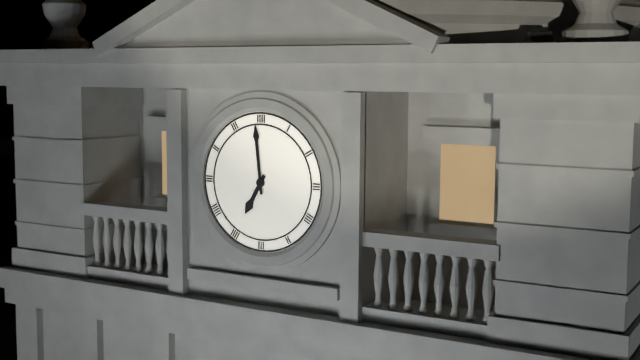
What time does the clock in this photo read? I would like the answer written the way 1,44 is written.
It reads 6,59
